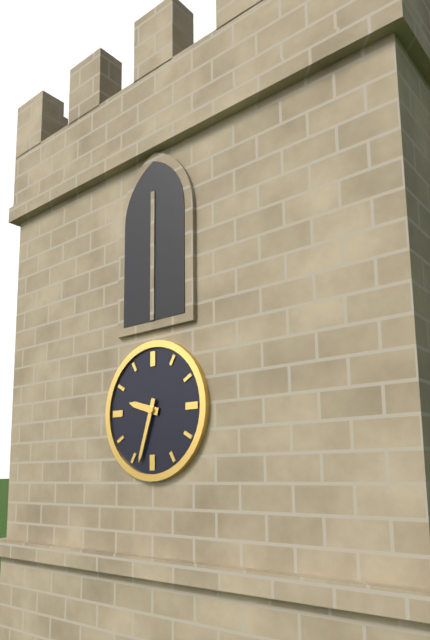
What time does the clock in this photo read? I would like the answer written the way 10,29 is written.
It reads 9,33
